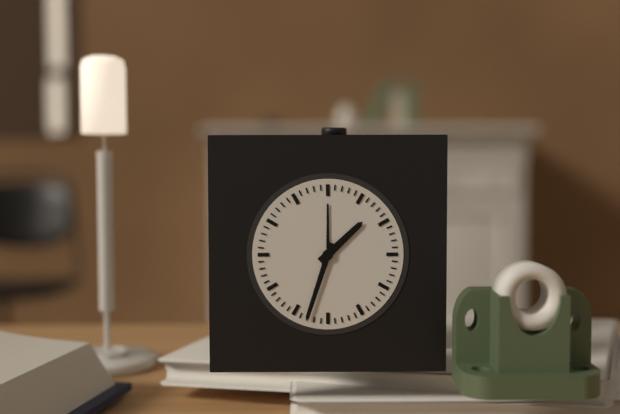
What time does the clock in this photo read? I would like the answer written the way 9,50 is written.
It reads 1,33
